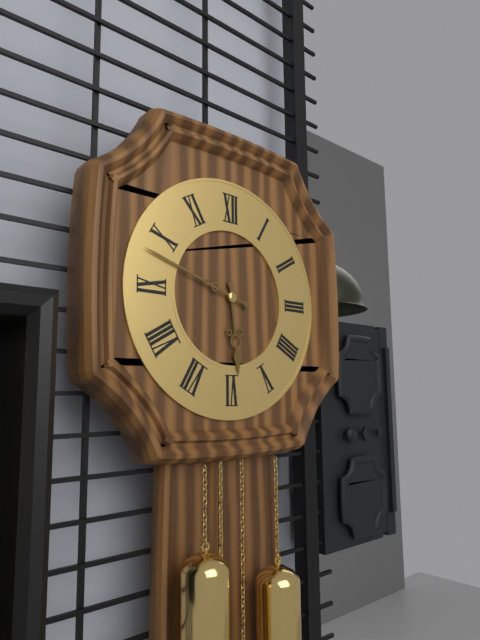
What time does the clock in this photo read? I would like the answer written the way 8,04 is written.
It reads 5,48
